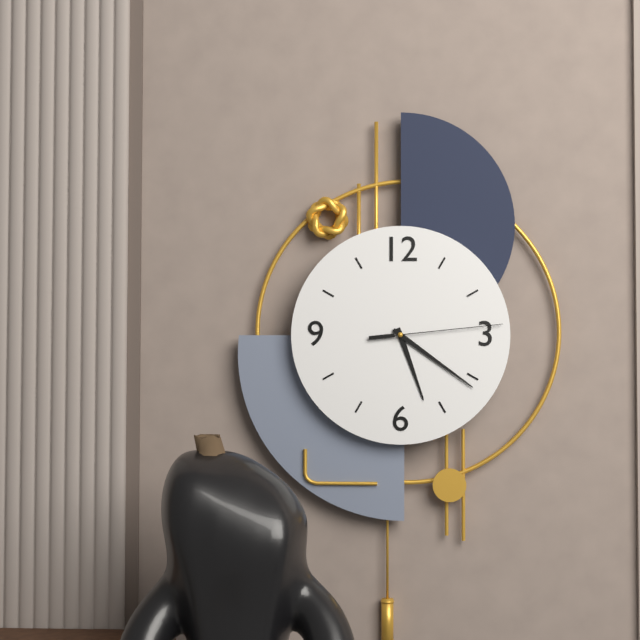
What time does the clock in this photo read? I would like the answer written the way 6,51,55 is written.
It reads 5,21,14
